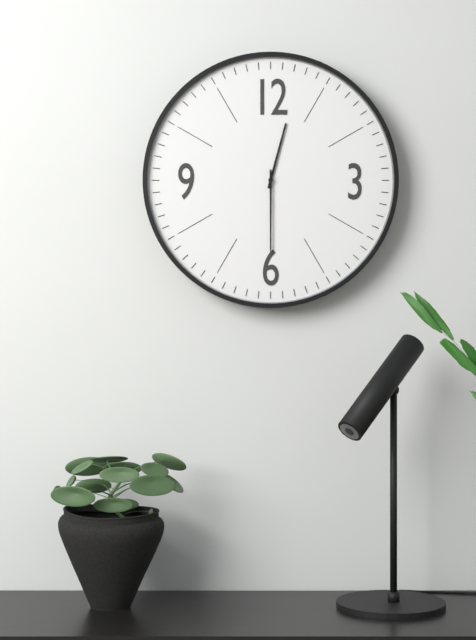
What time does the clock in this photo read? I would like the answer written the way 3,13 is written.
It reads 12,30
